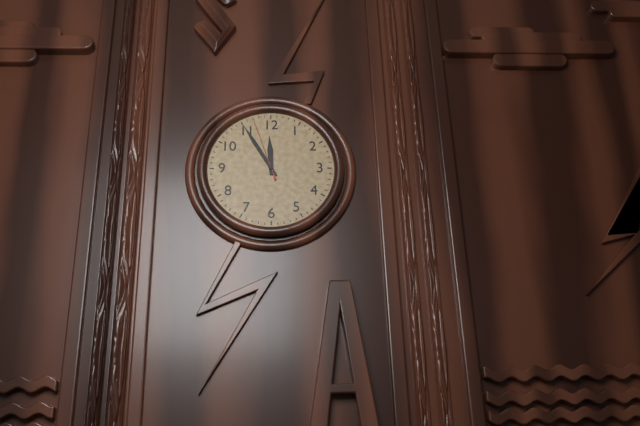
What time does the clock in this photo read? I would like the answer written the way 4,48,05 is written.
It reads 11,55,57
